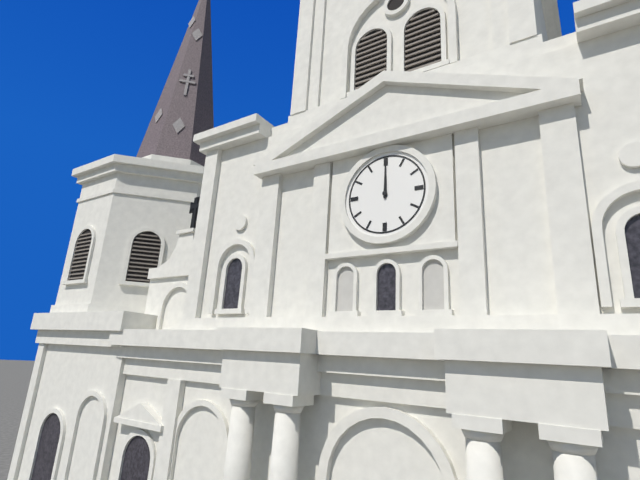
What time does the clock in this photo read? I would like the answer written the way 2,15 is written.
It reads 12,00
